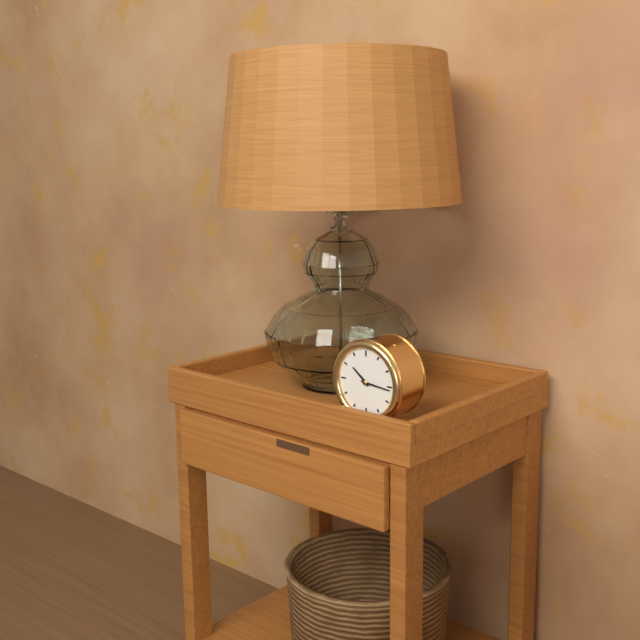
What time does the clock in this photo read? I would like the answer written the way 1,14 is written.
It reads 10,16
